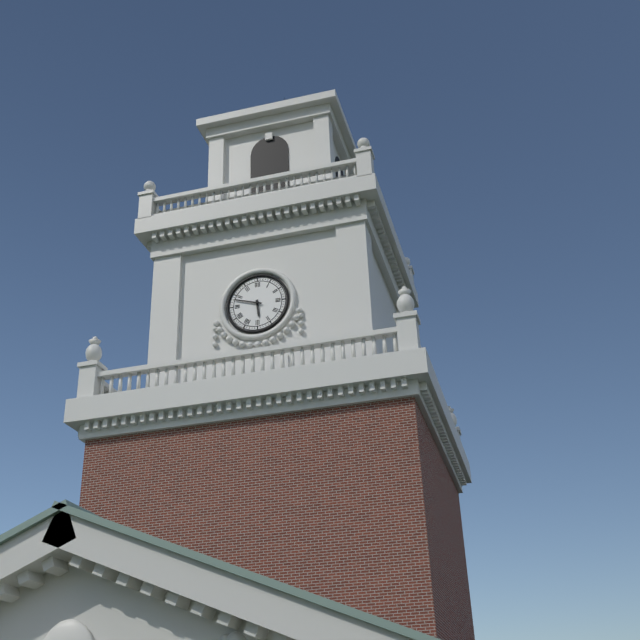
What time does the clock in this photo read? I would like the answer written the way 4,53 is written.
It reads 5,48
